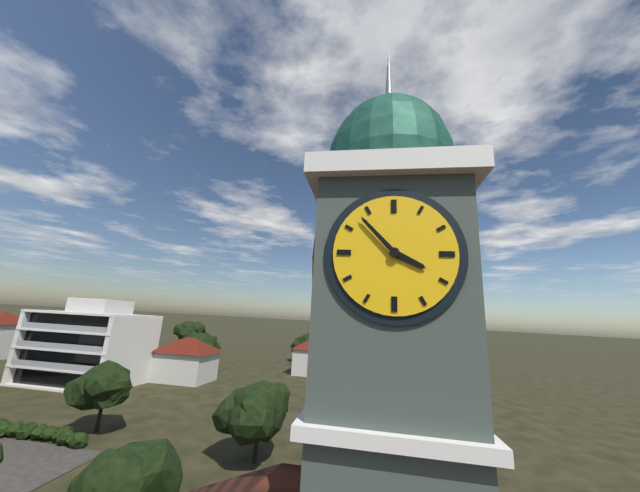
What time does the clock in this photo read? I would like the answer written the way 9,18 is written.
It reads 3,53
